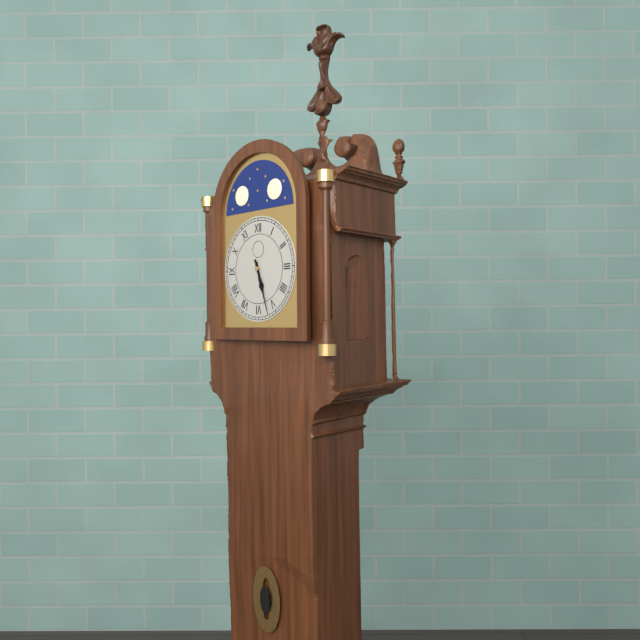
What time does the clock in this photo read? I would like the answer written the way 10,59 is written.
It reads 5,27
